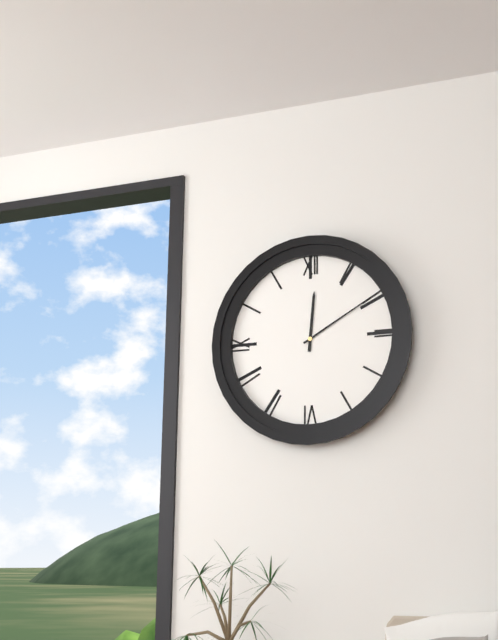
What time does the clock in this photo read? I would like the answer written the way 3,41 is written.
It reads 12,10
